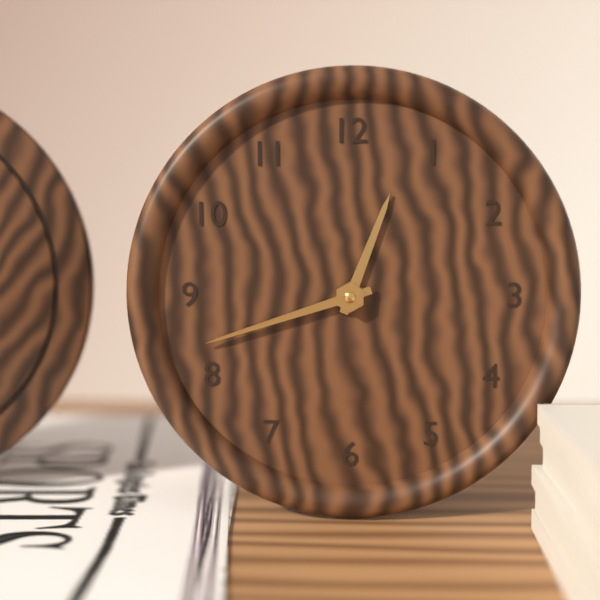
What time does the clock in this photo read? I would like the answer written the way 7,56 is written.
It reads 12,42
